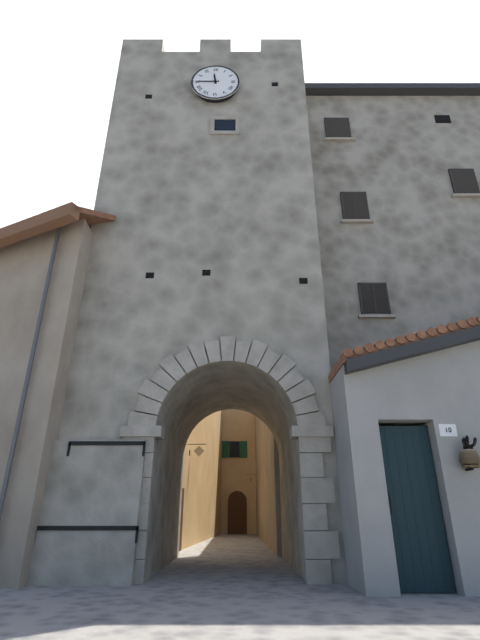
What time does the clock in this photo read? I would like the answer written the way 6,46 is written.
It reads 11,45
